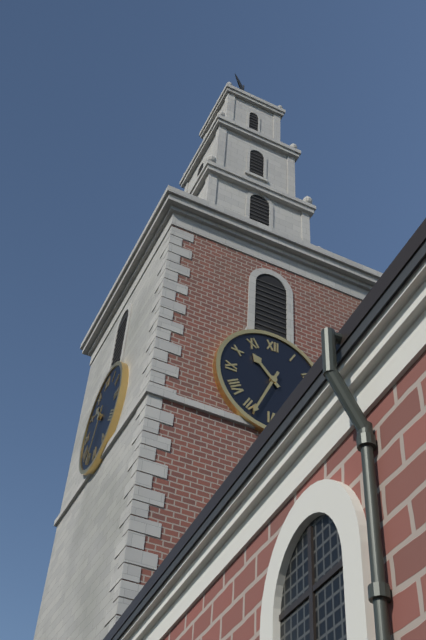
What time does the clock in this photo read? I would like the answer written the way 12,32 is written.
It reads 10,34
